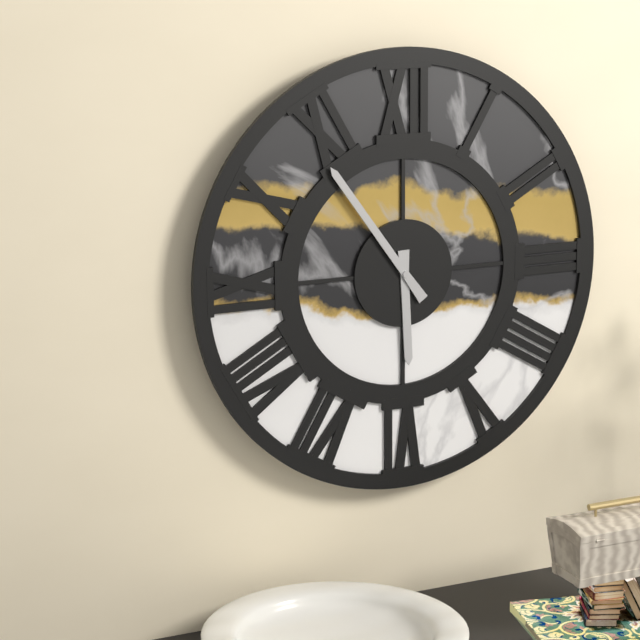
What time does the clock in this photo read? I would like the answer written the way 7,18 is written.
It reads 5,54
